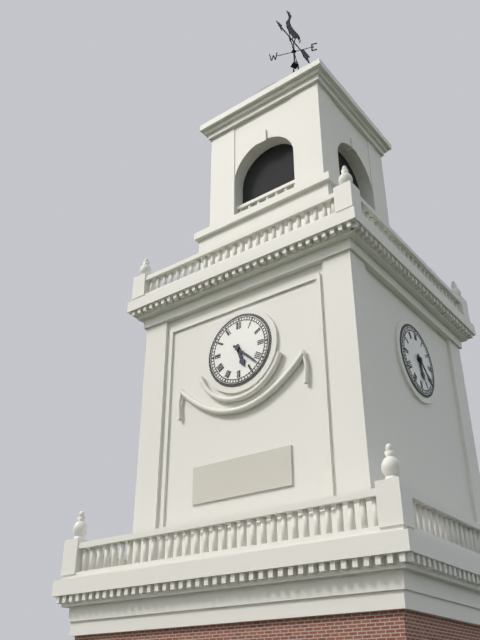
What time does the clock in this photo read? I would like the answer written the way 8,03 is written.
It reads 5,22
